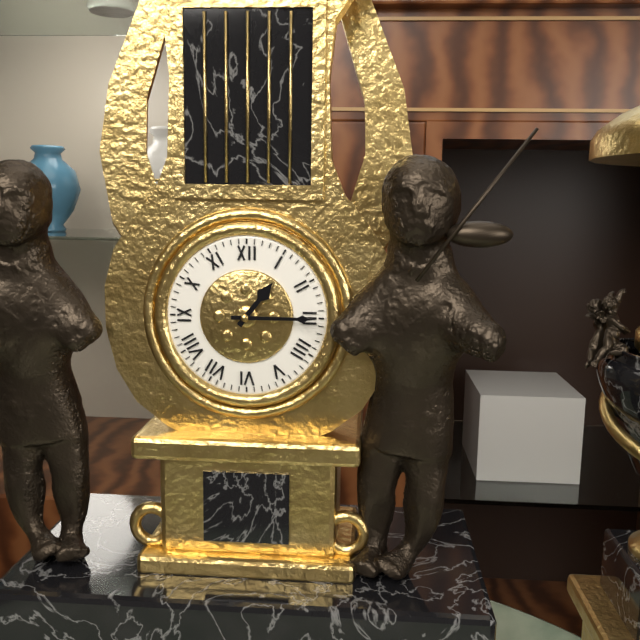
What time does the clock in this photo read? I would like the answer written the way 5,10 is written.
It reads 1,15
